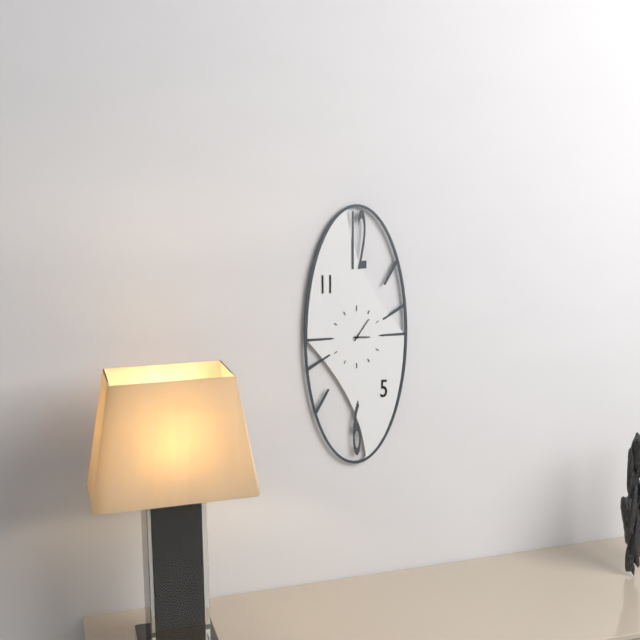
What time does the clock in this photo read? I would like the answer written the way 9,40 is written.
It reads 3,06
